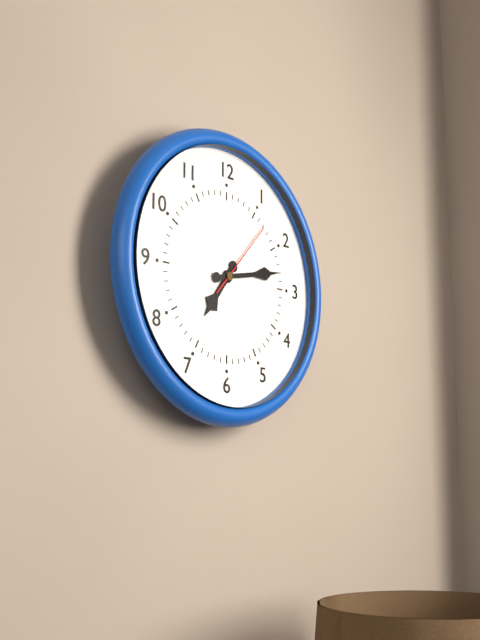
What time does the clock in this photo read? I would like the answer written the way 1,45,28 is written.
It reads 7,13,07
